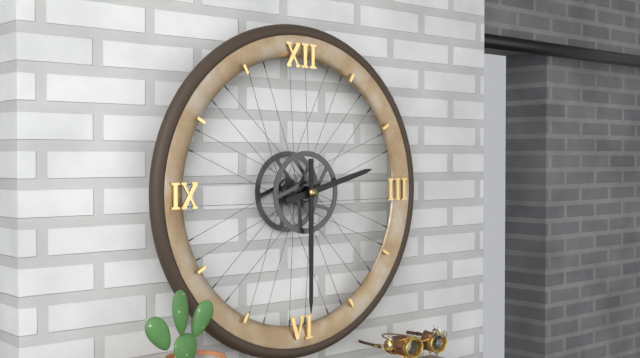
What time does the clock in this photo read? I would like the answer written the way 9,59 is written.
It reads 2,30
